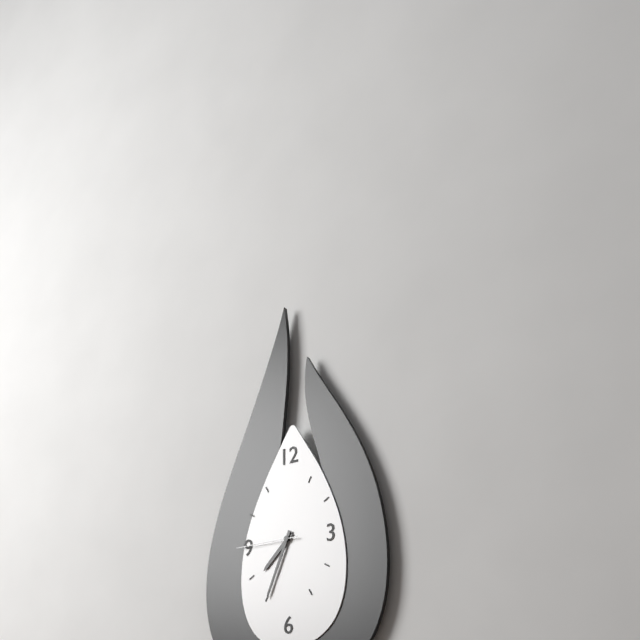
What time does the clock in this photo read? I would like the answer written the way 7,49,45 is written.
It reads 7,34,45
